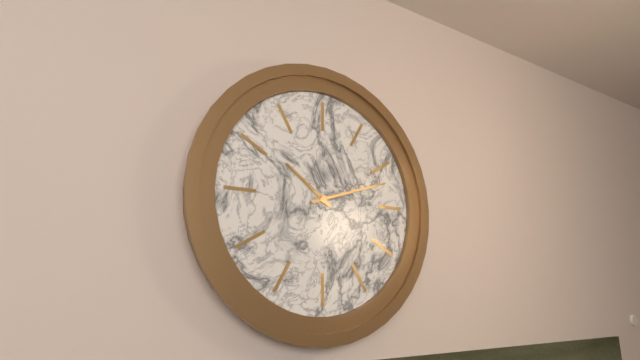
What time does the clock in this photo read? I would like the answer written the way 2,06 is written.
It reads 10,12
